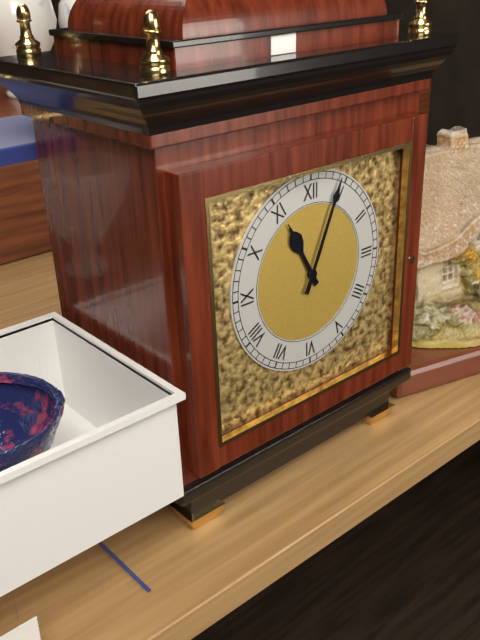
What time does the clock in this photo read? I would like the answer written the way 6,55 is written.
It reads 11,04
